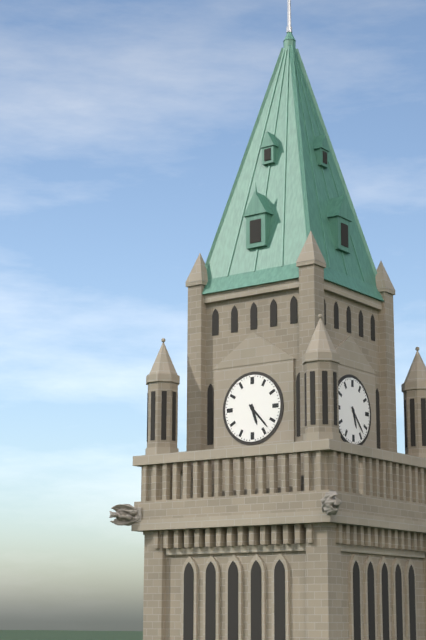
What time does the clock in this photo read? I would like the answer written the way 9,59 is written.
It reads 5,23
